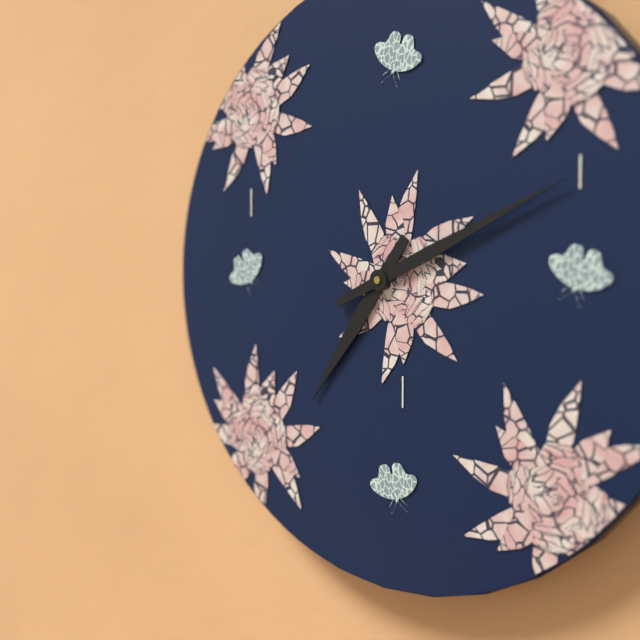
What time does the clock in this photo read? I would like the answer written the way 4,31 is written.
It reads 7,11
